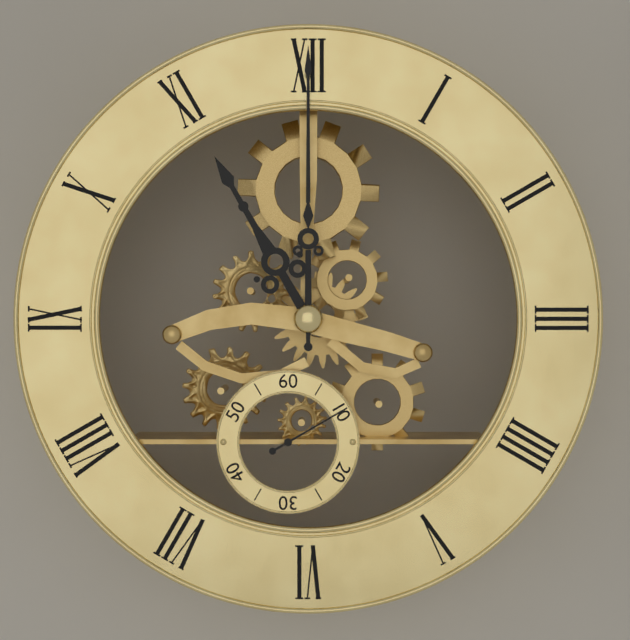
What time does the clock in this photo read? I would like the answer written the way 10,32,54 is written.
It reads 11,00,10
